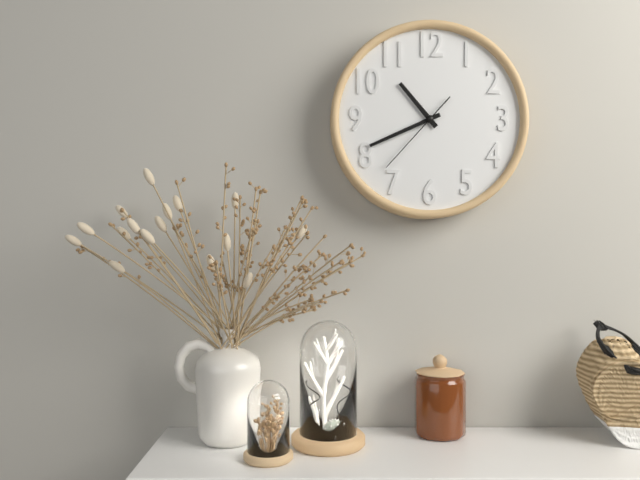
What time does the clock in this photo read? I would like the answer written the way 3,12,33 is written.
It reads 10,41,37
